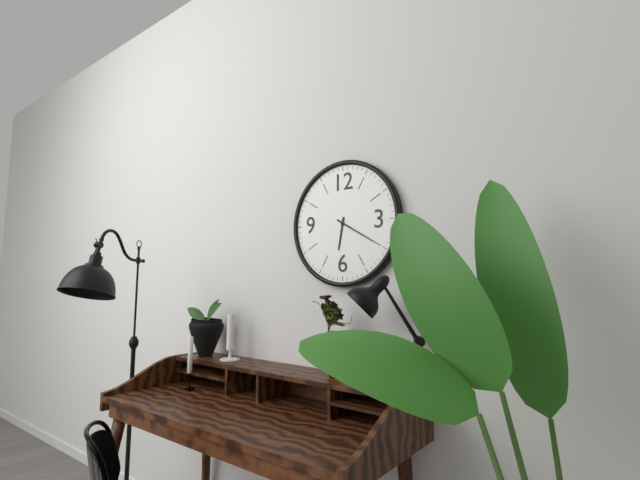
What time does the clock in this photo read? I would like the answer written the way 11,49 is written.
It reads 6,20
